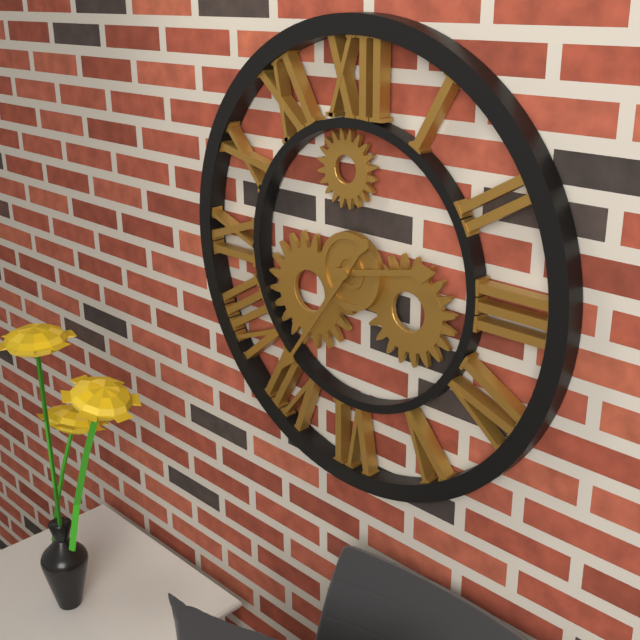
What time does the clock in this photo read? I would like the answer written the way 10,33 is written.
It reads 2,36
